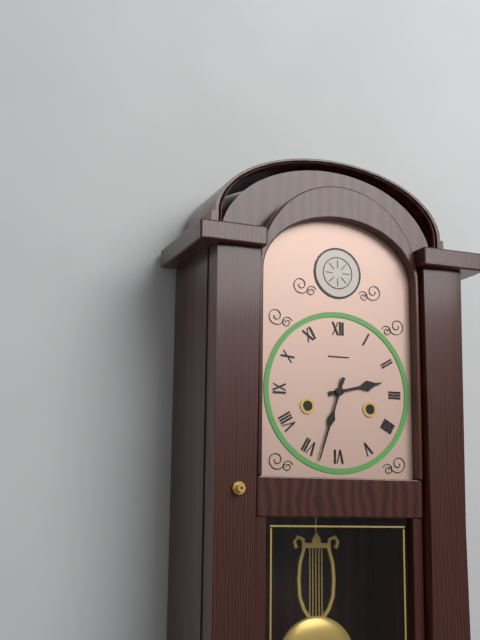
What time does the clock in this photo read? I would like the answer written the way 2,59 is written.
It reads 2,33
